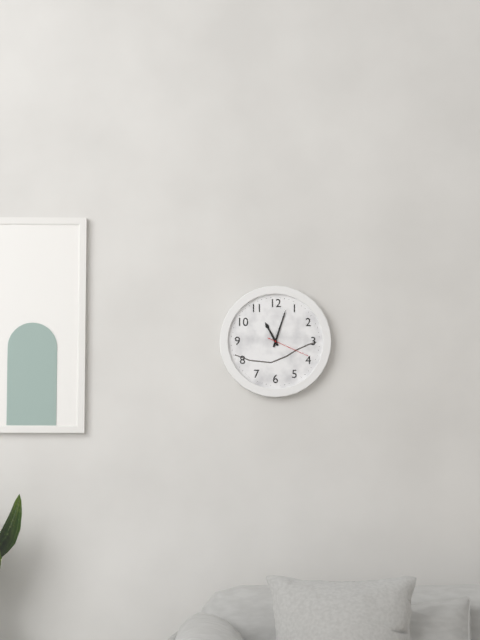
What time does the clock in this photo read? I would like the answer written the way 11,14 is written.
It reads 11,03
